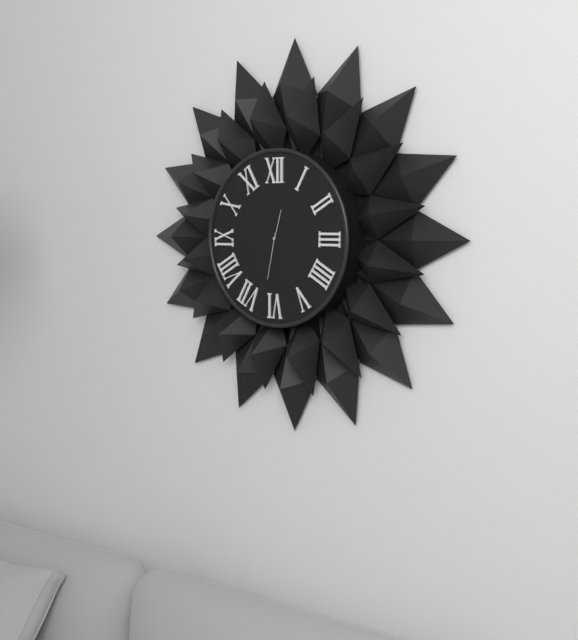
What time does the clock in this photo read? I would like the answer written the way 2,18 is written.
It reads 12,32
